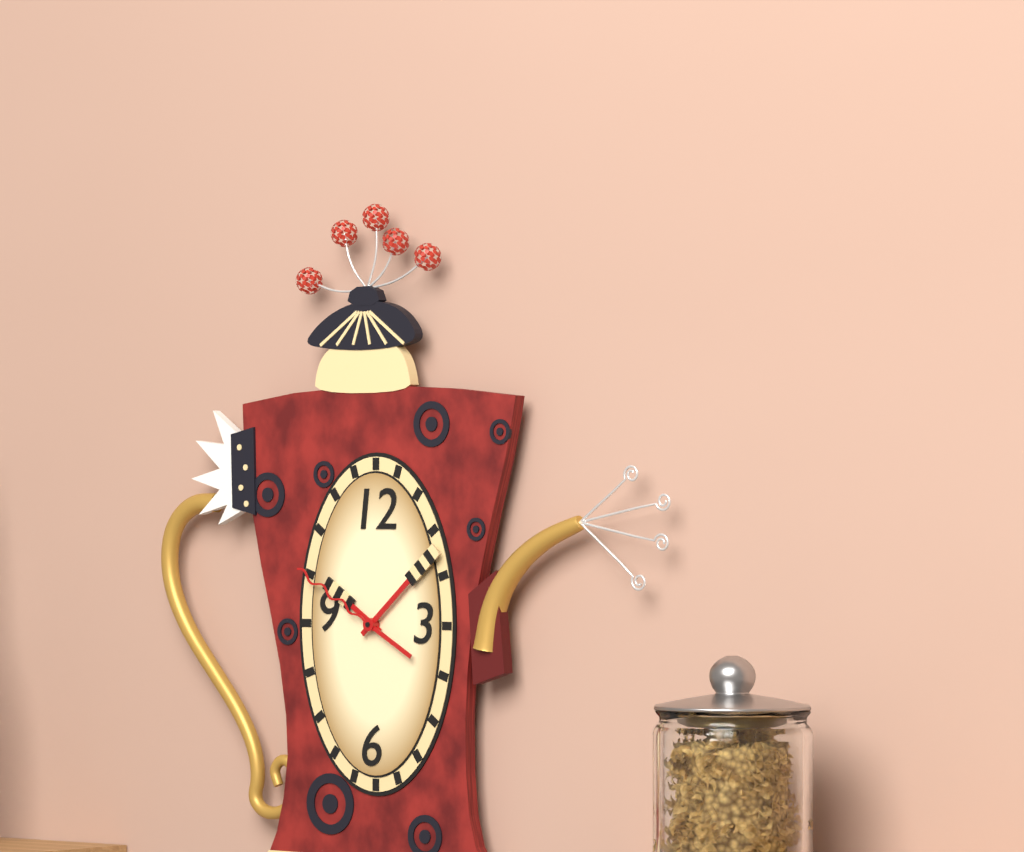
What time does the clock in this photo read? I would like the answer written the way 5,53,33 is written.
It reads 10,08,50
